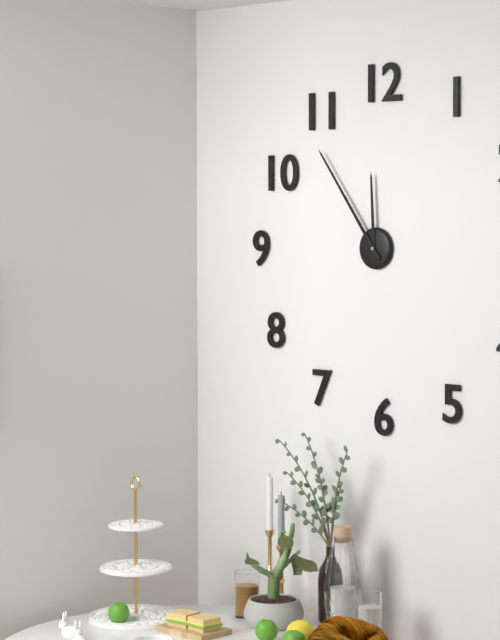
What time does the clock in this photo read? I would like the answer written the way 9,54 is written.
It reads 11,54
